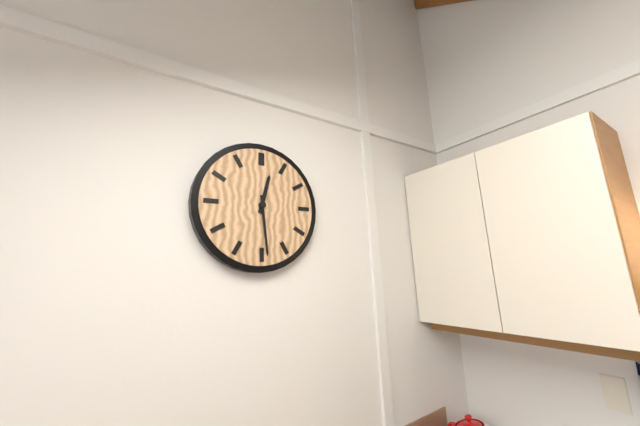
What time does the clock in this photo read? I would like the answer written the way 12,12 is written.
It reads 12,29
